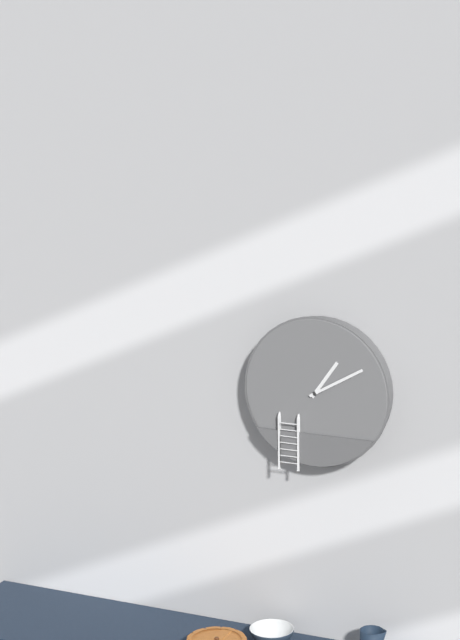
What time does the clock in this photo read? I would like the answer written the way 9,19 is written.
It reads 1,10
